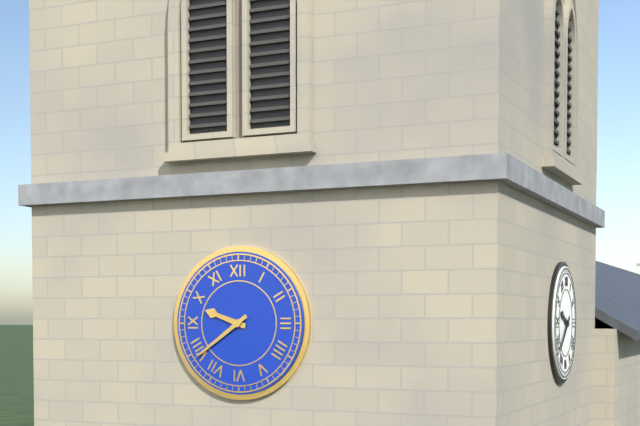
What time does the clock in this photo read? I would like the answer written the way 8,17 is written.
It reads 9,39
